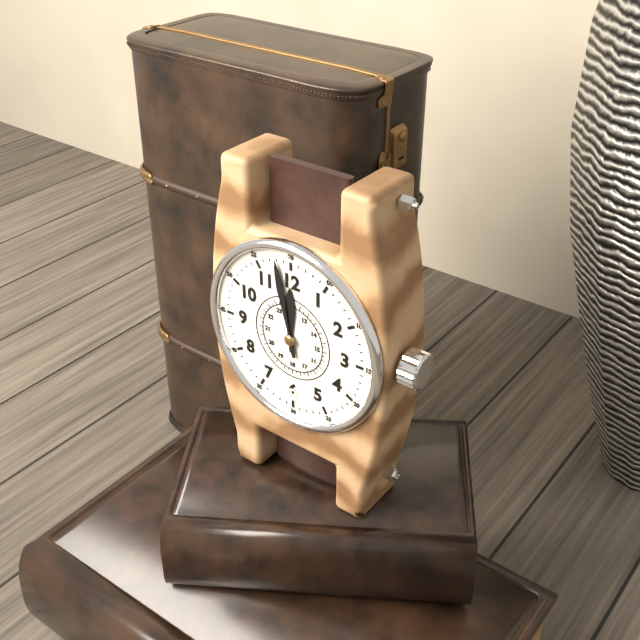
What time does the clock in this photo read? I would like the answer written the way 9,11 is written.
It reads 11,58
